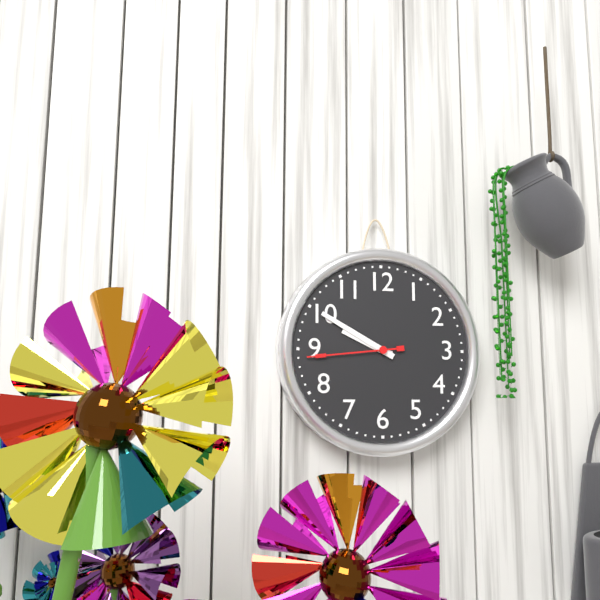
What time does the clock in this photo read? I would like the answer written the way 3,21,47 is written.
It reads 9,50,44
